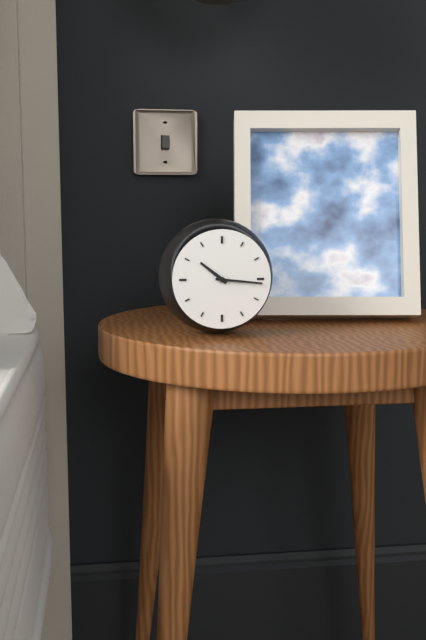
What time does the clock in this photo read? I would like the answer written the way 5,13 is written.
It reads 10,16
